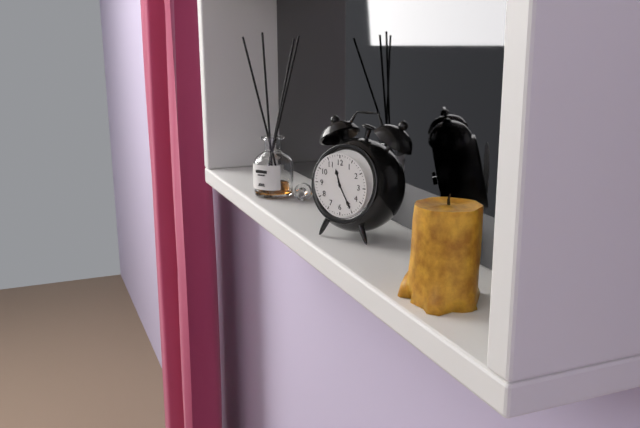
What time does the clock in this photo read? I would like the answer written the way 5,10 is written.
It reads 11,25
